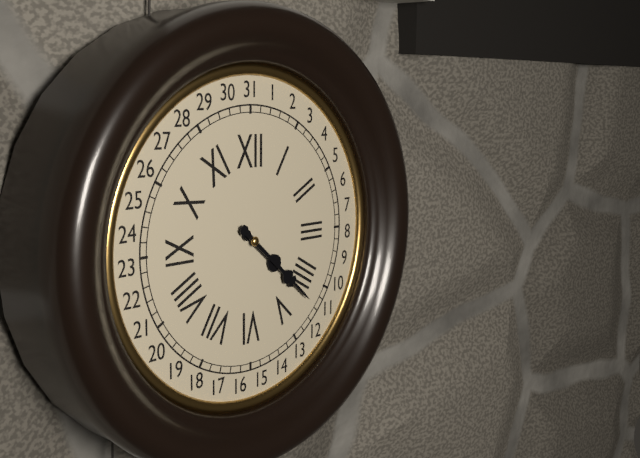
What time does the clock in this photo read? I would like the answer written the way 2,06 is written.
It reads 4,22
